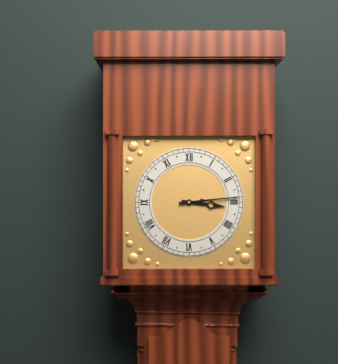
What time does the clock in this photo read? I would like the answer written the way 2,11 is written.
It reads 3,14
